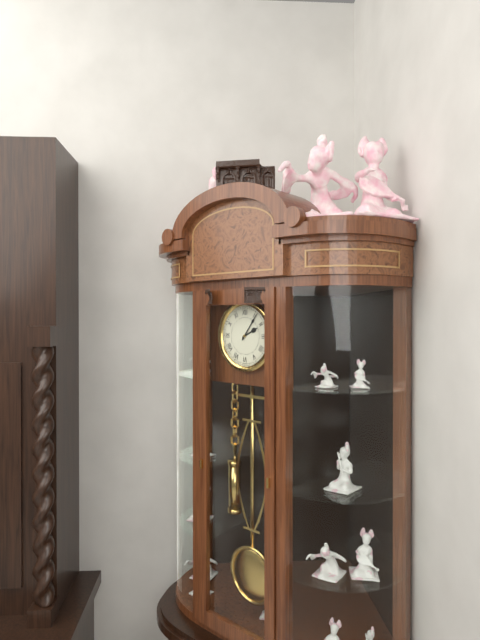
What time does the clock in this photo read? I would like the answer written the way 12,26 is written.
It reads 2,06
